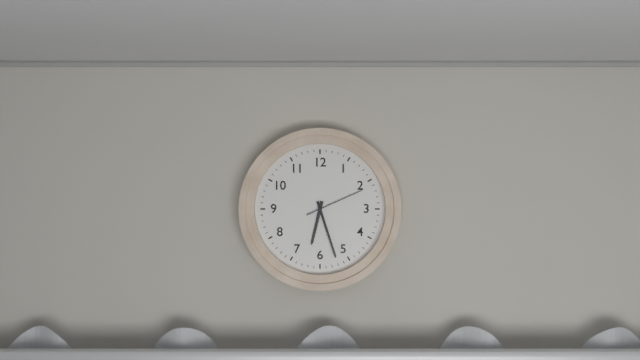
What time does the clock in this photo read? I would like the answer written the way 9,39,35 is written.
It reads 6,27,11
